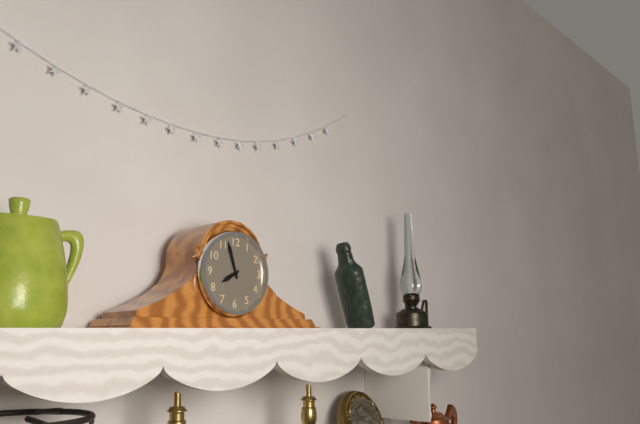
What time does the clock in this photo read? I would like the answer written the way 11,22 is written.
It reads 7,57
